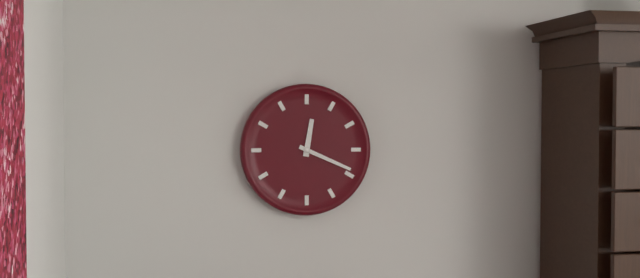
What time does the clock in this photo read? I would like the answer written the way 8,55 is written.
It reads 12,19
